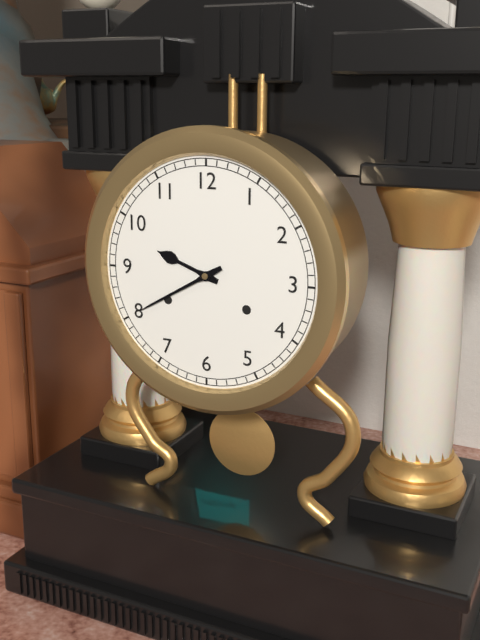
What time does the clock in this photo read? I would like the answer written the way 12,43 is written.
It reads 9,40
